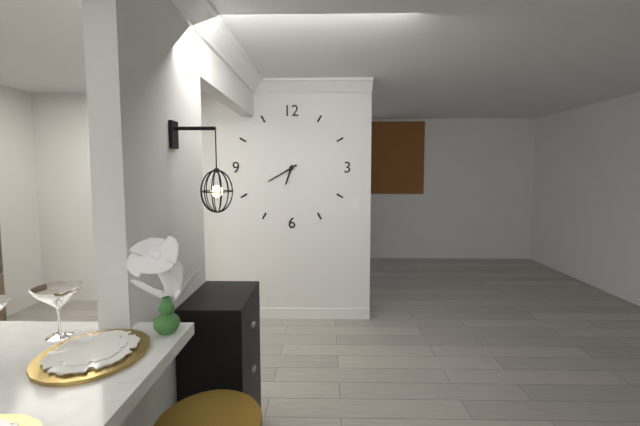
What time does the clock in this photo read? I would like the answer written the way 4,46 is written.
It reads 6,40
